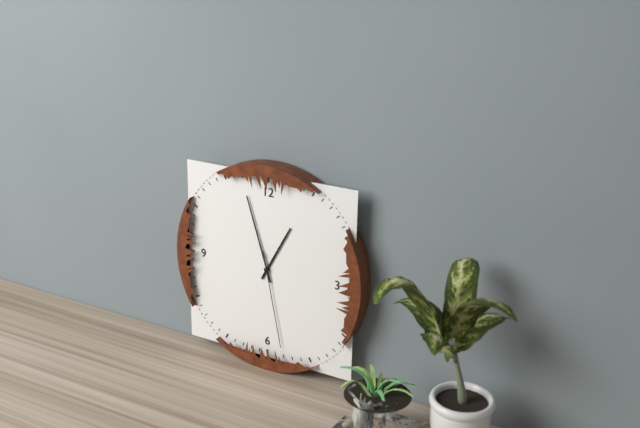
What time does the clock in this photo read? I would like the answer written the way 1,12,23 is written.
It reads 12,57,28
